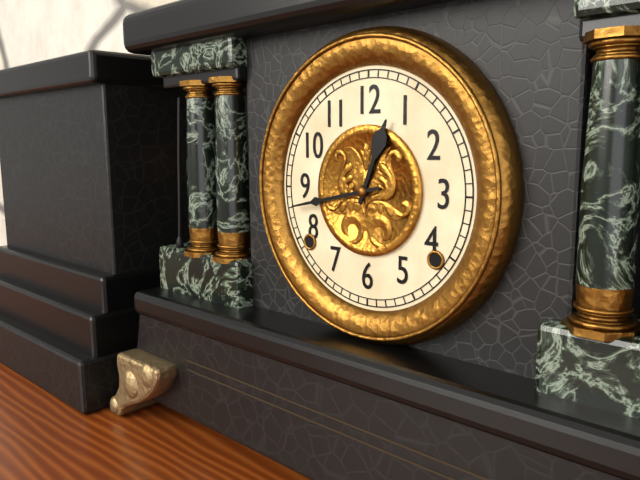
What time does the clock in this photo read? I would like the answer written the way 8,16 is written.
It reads 12,43
